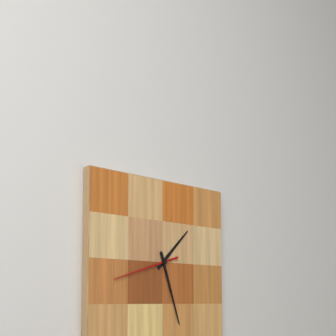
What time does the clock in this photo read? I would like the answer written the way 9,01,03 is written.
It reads 1,27,42
